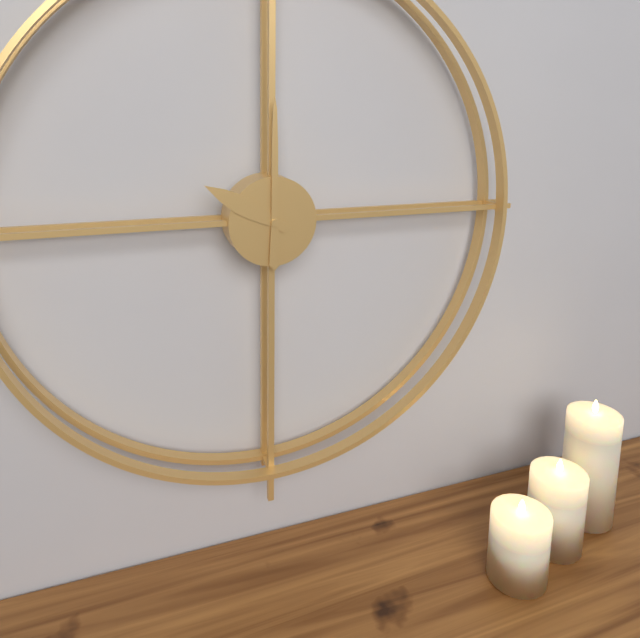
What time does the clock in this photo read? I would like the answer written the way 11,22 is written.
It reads 10,00
